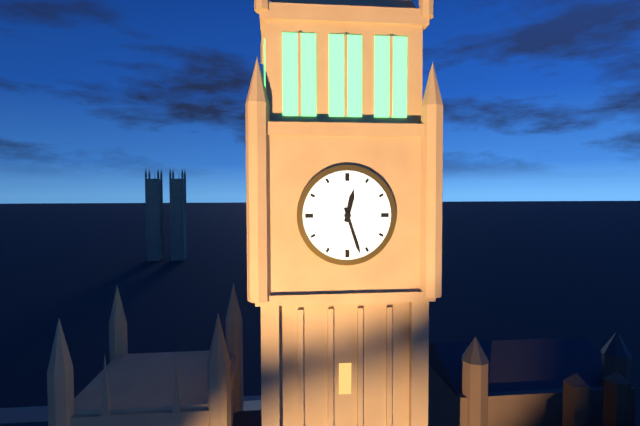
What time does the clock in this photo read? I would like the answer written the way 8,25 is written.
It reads 12,27
